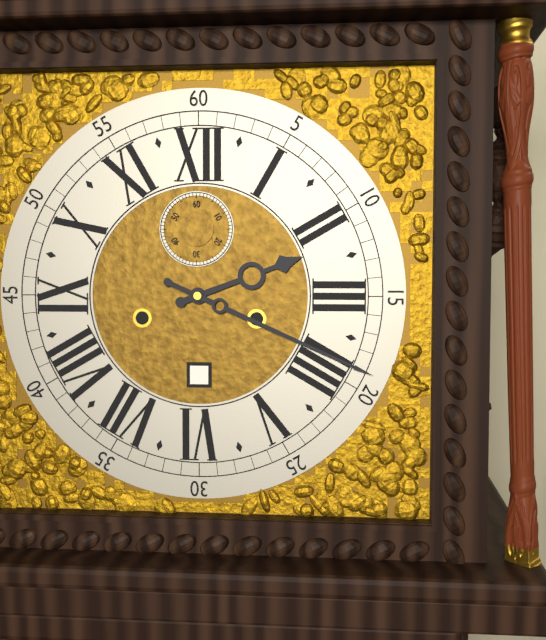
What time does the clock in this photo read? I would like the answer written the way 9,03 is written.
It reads 2,19
